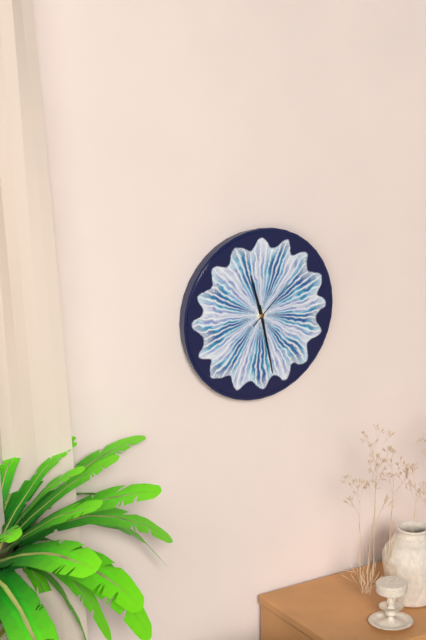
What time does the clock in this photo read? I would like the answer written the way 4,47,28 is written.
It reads 11,28,08
